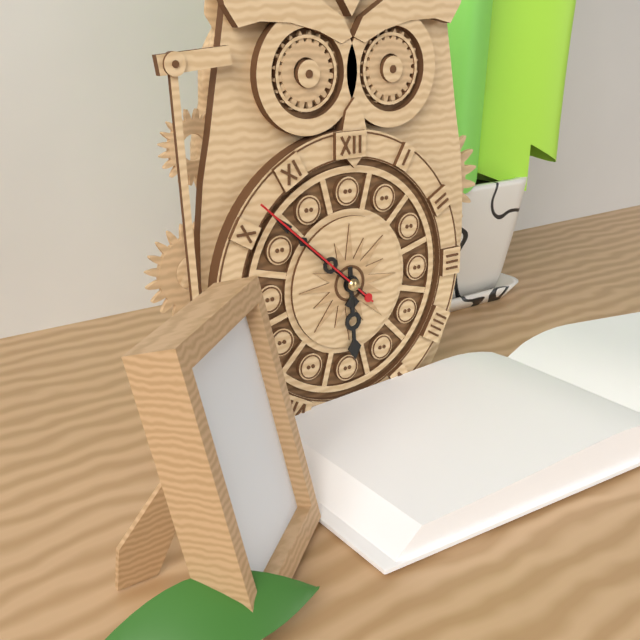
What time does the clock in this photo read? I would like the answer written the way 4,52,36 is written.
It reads 5,52,52
